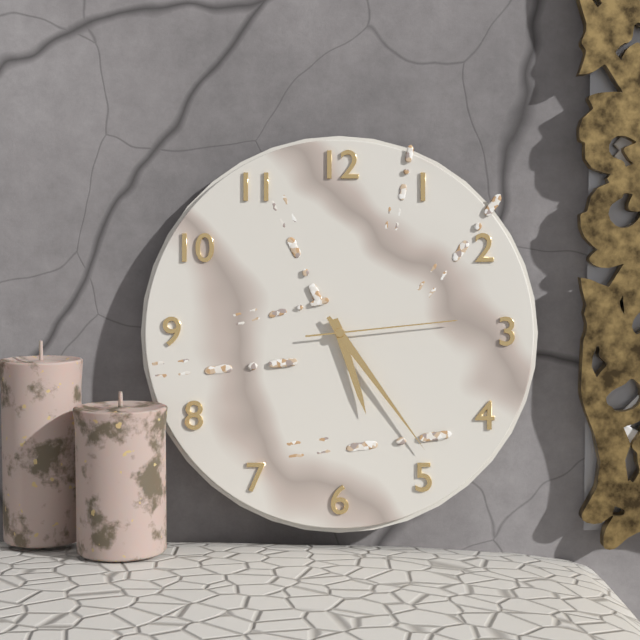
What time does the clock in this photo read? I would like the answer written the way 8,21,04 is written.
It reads 5,24,14
